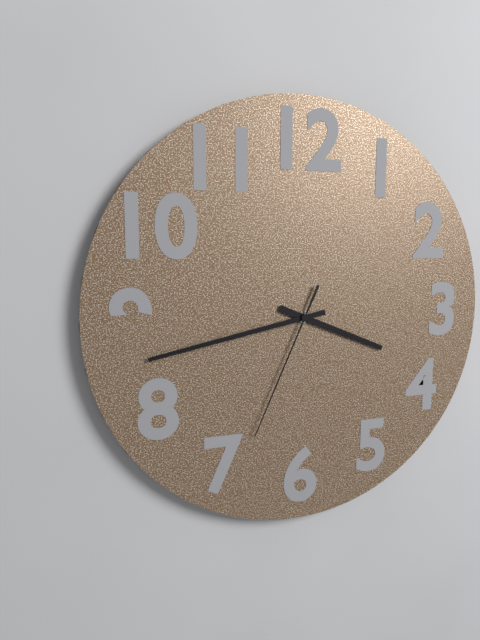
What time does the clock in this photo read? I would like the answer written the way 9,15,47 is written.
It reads 3,43,34
